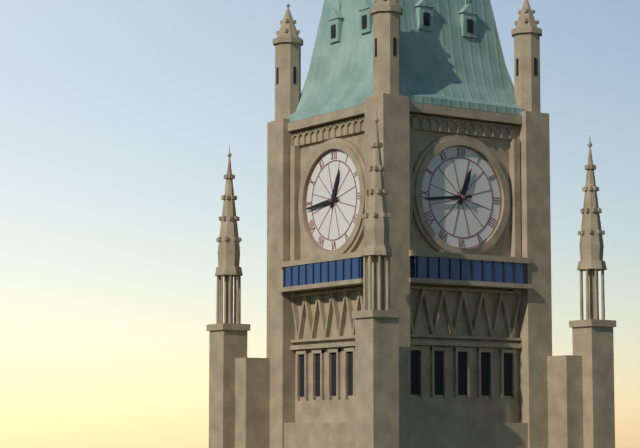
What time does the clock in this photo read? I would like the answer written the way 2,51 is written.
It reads 12,44
